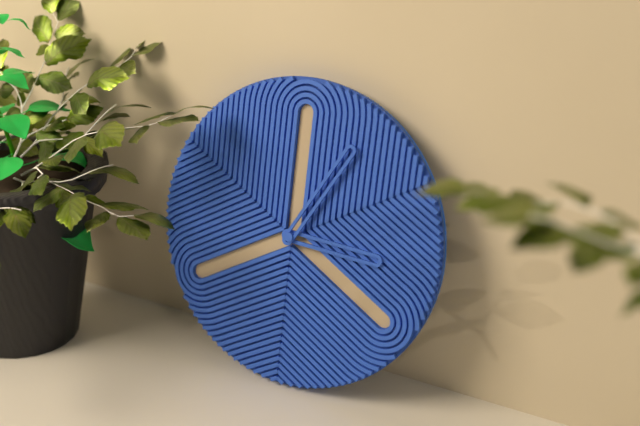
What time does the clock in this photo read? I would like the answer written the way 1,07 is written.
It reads 3,05
